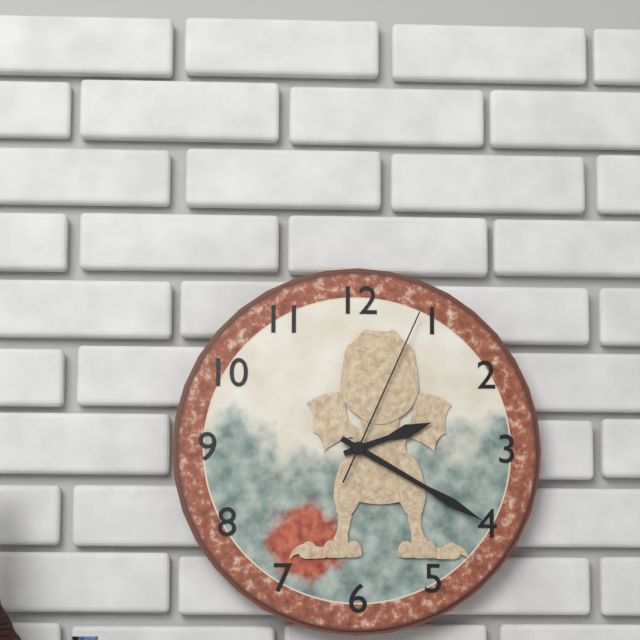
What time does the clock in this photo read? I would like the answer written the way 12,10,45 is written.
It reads 2,20,04
